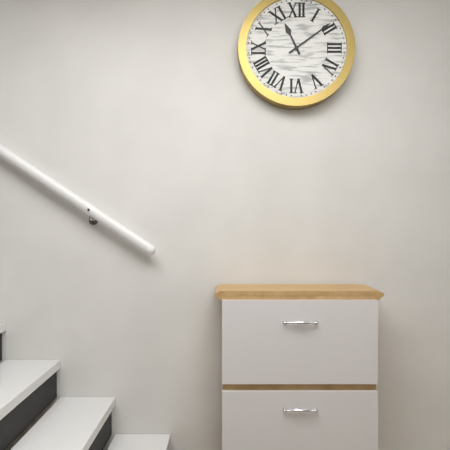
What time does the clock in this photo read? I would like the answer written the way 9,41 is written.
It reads 11,09
